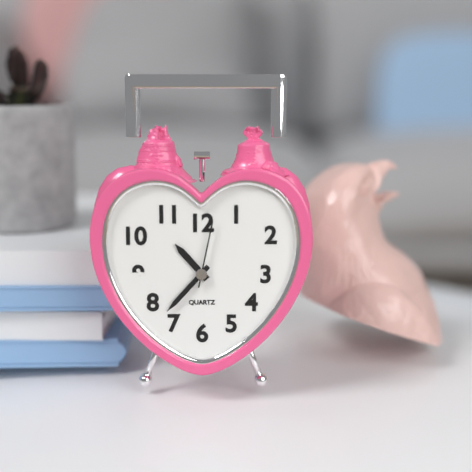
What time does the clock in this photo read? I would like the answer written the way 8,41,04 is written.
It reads 10,37,02
